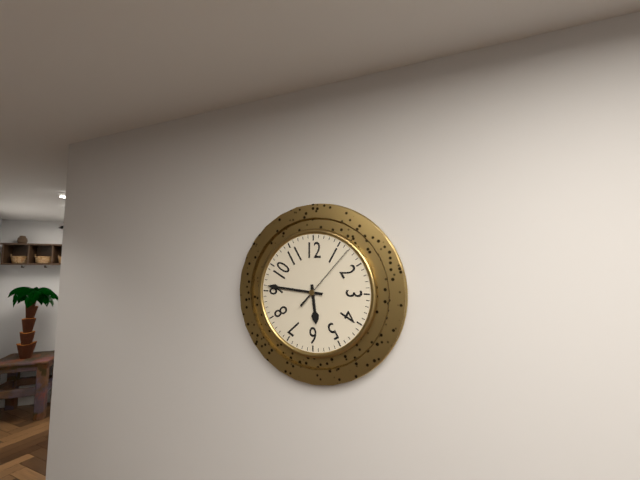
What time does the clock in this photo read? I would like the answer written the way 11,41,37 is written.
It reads 5,46,07
